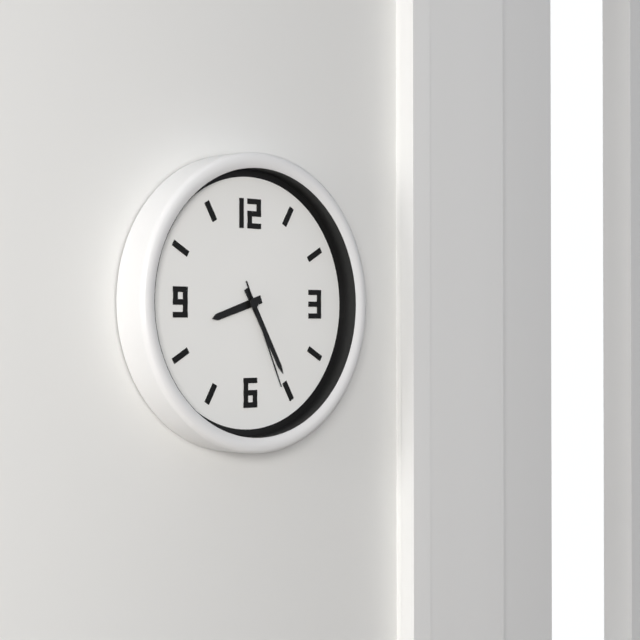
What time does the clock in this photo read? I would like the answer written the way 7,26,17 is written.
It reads 8,25,26
